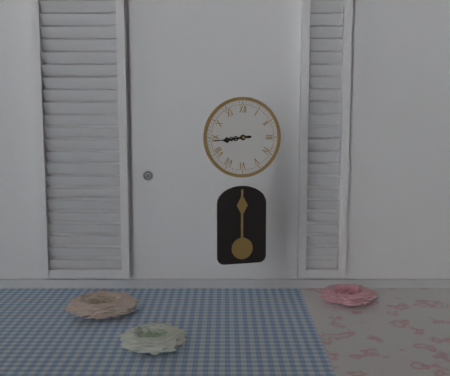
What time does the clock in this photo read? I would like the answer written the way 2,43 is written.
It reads 8,44
